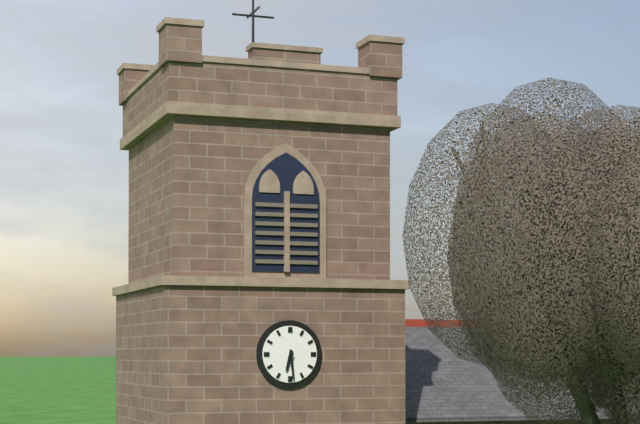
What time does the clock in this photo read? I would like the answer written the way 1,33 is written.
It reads 6,29
